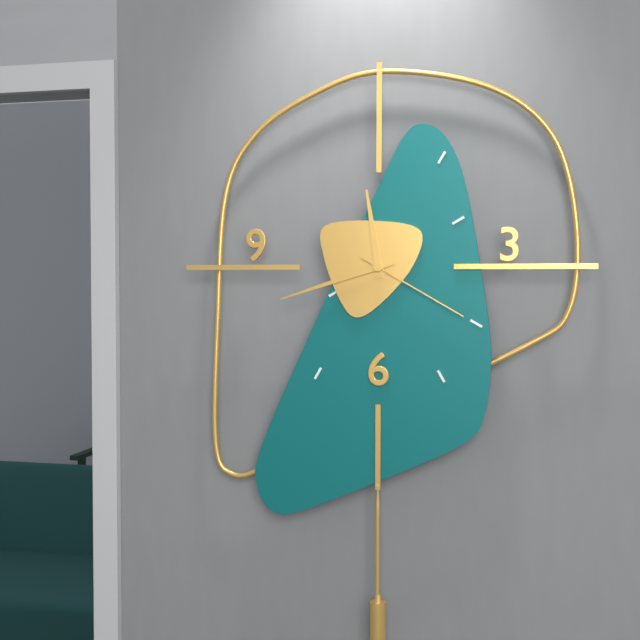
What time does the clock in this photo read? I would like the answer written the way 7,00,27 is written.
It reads 11,42,20
